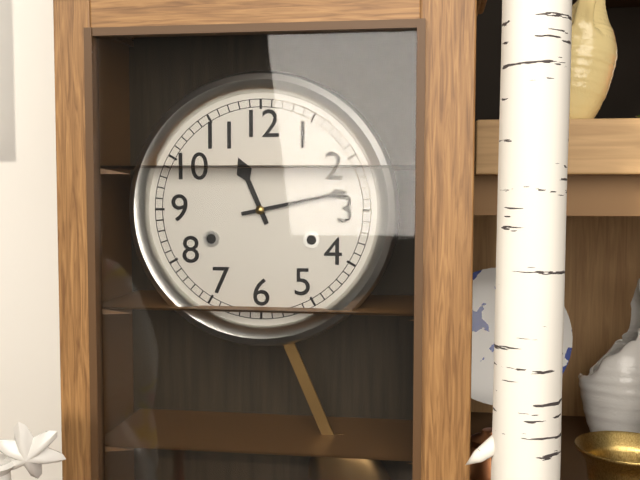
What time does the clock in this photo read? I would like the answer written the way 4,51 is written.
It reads 11,13
